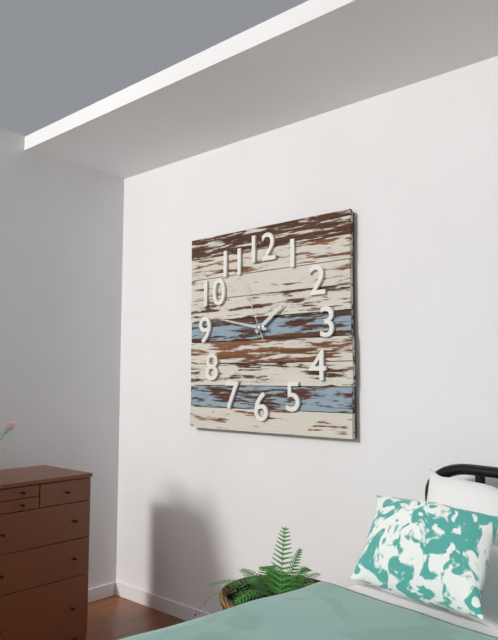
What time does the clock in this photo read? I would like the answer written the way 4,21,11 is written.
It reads 1,47,56
